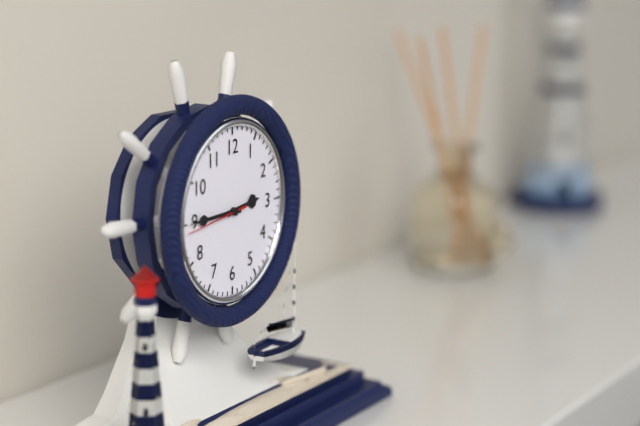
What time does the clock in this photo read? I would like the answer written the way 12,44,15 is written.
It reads 2,45,44
